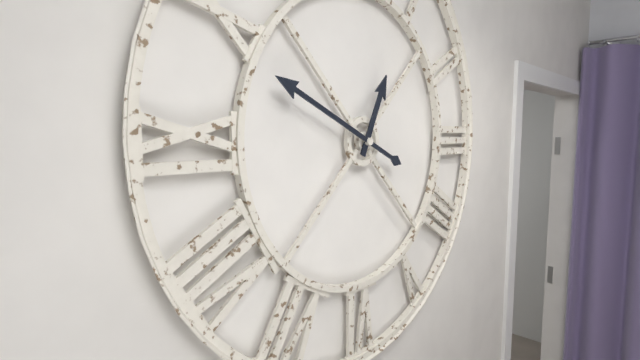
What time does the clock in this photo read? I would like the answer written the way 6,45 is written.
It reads 12,49
